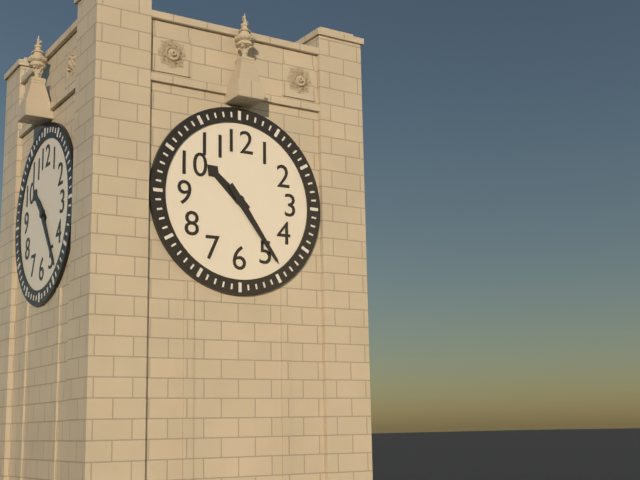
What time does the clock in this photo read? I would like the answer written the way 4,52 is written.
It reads 10,24
